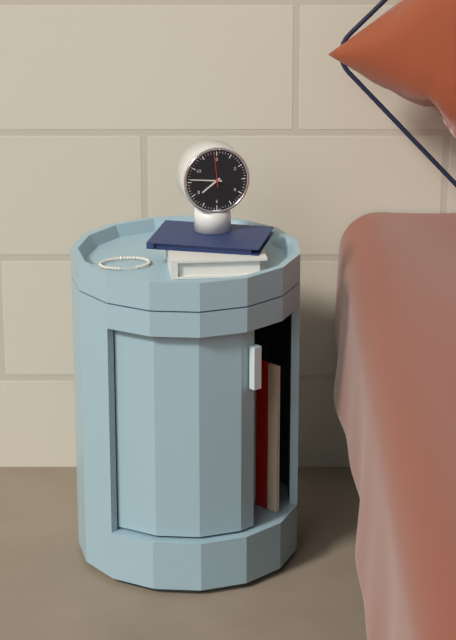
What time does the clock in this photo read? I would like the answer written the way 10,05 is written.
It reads 7,46
